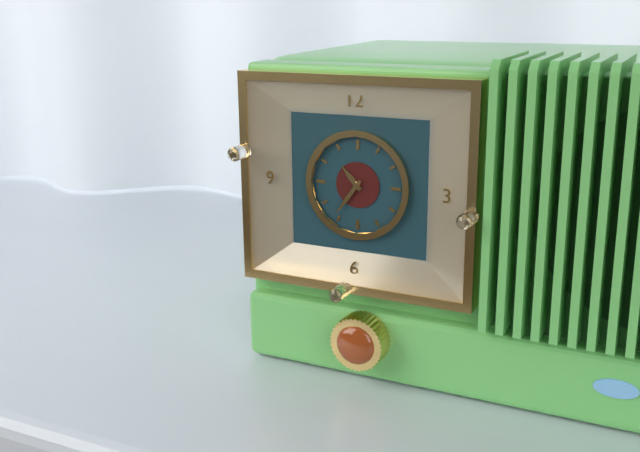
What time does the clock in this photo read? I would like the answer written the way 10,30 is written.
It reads 10,36
